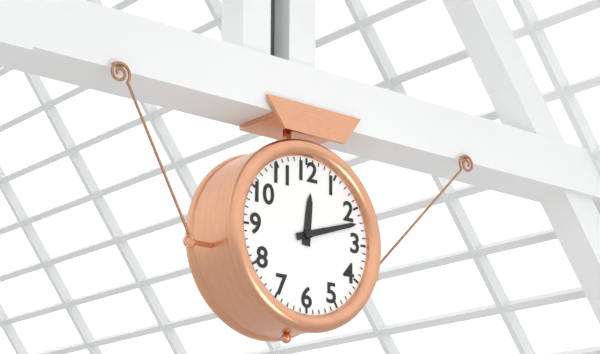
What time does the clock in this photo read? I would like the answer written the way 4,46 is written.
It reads 12,12
